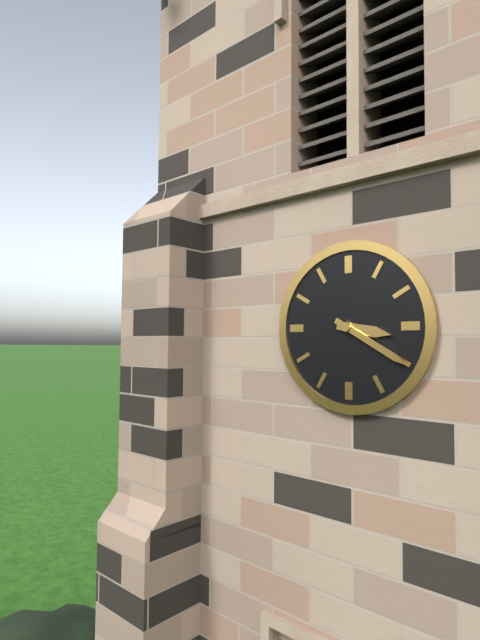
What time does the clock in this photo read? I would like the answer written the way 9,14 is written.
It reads 3,20
